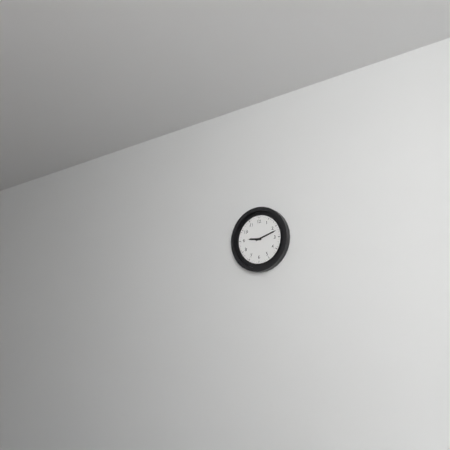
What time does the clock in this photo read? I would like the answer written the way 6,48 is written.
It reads 9,12
